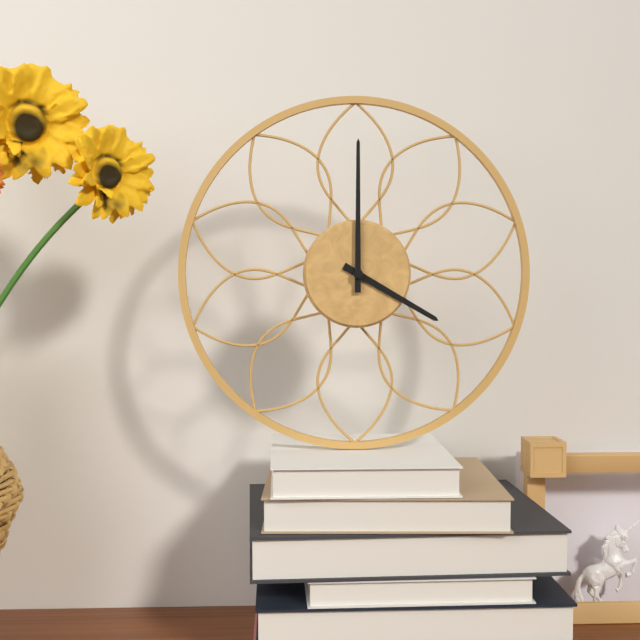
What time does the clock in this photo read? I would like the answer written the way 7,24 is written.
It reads 4,00
